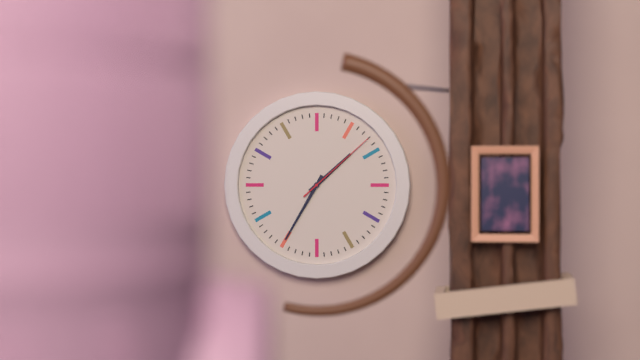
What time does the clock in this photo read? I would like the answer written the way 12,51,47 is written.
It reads 1,35,08
